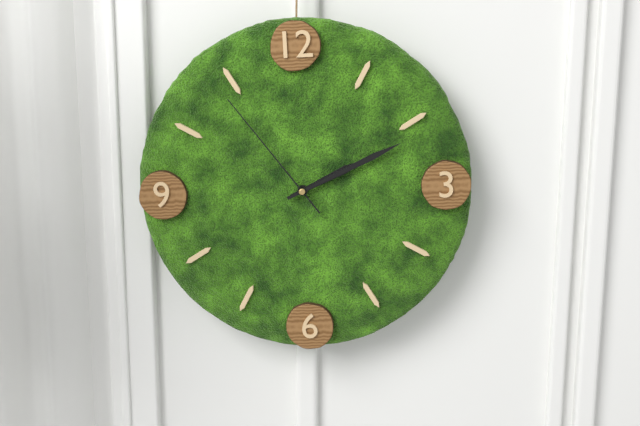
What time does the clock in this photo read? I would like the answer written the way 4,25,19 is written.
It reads 2,11,54
